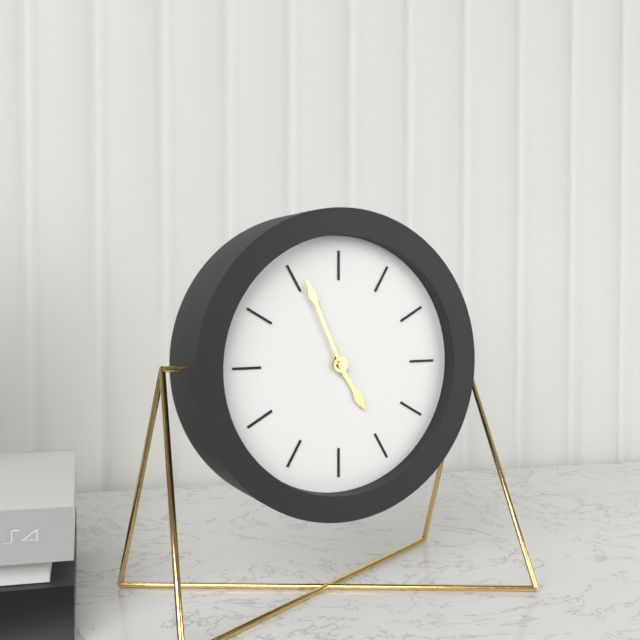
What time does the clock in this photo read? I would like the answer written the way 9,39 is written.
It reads 4,56
